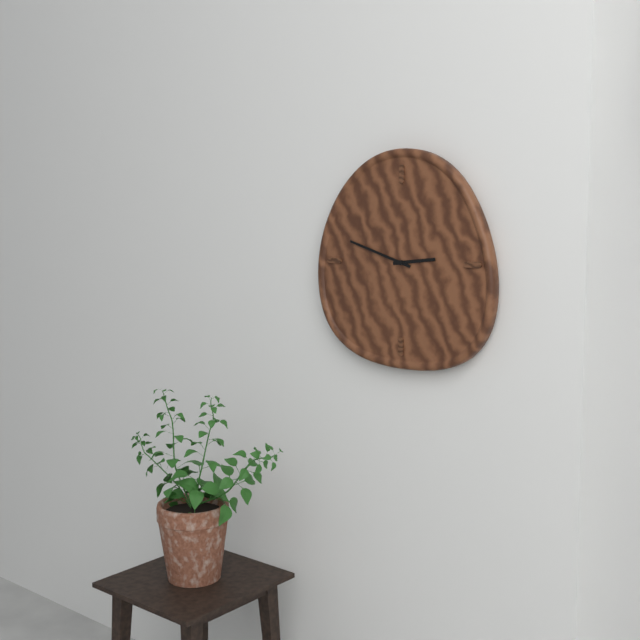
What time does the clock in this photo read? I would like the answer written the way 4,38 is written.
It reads 2,48
